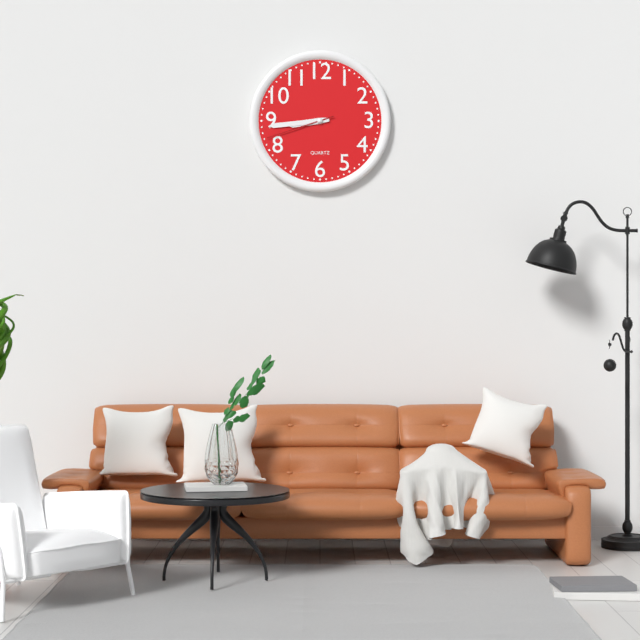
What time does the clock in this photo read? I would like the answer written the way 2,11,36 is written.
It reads 8,44,42
